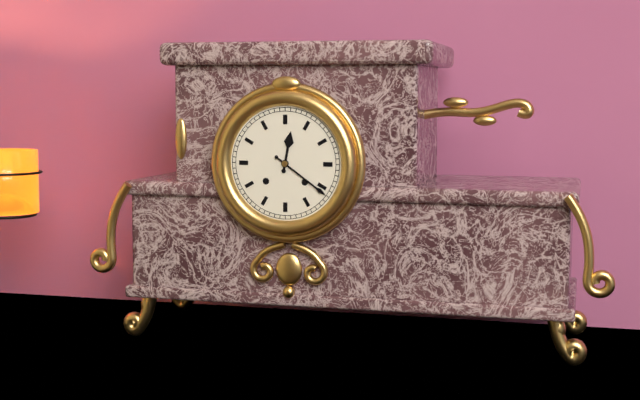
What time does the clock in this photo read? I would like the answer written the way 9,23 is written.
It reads 12,21
